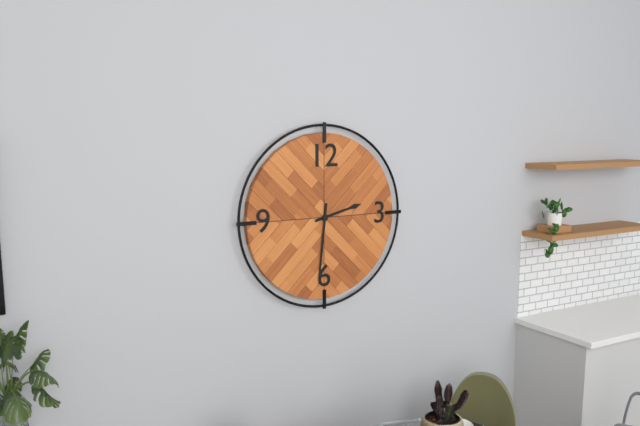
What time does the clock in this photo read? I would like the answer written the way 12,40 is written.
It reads 2,31
